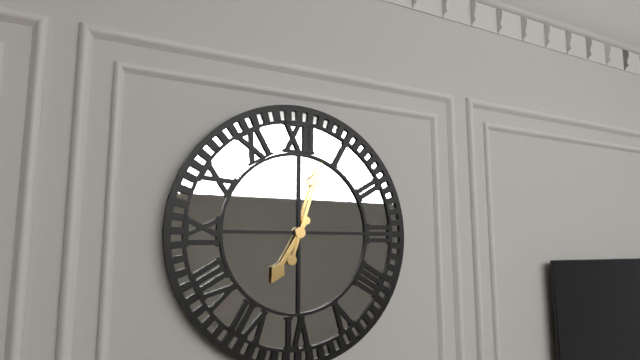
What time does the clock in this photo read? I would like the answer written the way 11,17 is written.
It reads 7,03
